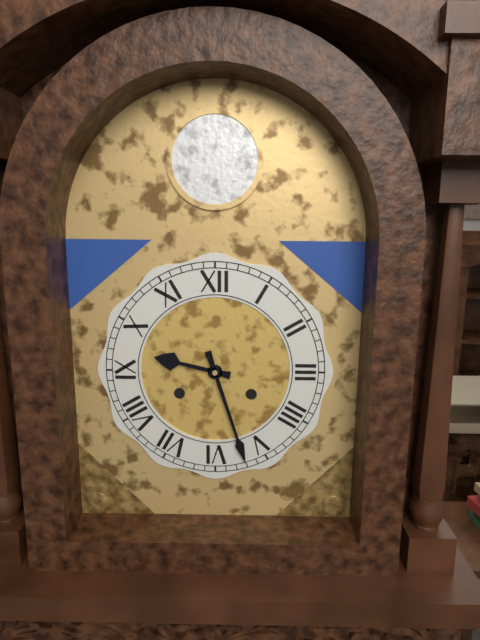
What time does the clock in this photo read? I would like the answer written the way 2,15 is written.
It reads 9,27
